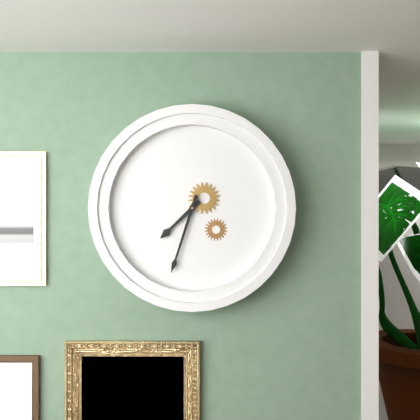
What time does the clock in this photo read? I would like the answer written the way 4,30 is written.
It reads 7,33
